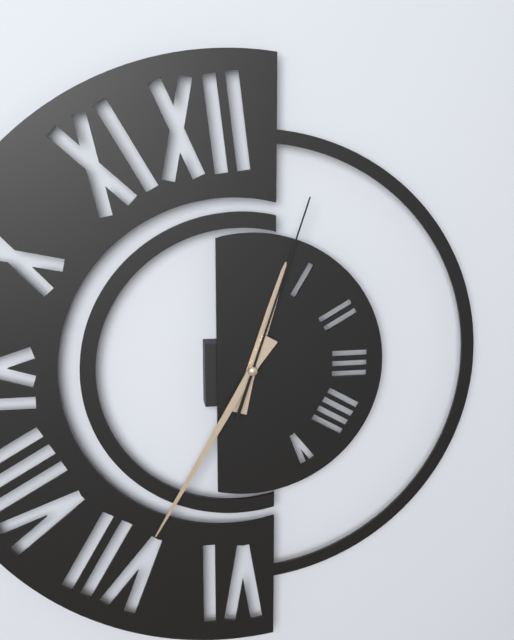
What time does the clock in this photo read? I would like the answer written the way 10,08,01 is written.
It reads 12,35,03
